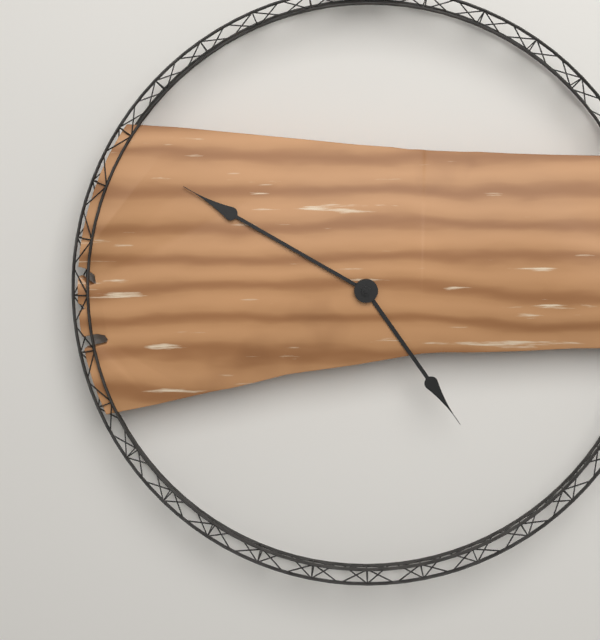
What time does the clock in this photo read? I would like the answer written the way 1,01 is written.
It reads 4,50
